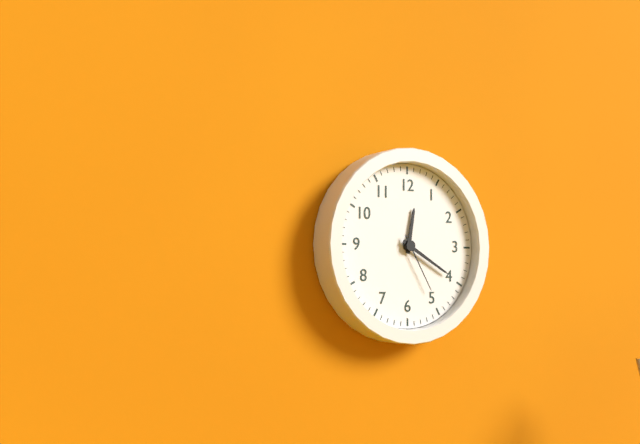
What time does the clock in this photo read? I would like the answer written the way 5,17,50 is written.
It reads 12,20,25
